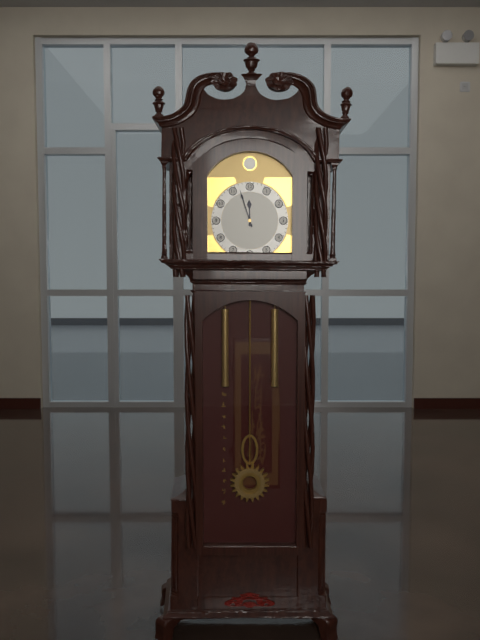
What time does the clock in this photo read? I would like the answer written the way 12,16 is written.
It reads 11,57
